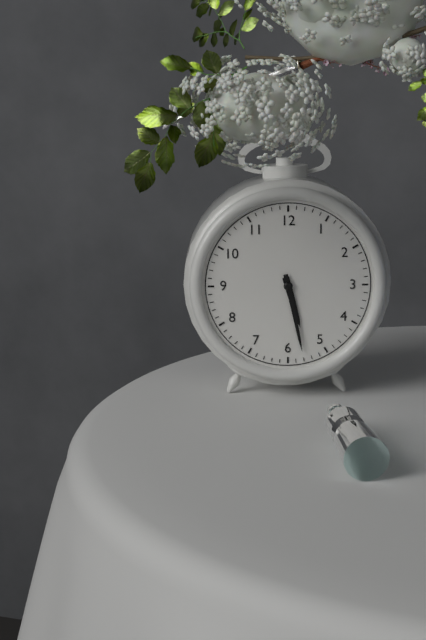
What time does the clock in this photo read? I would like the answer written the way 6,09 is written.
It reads 5,28
